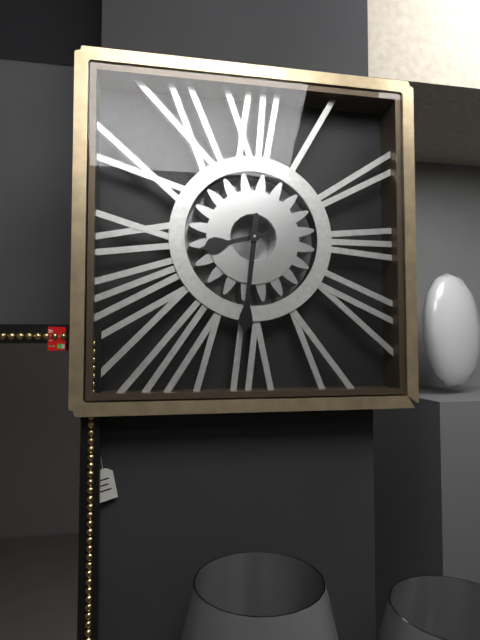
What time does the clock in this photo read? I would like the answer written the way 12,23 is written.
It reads 8,31
